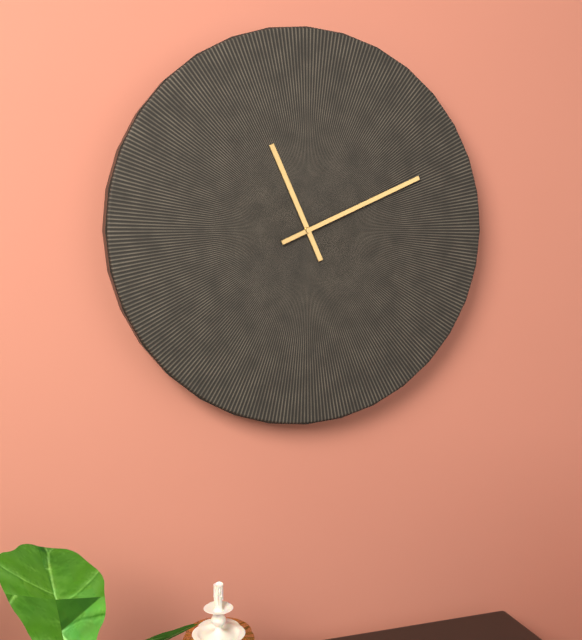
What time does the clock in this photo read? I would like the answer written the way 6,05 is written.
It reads 11,11
